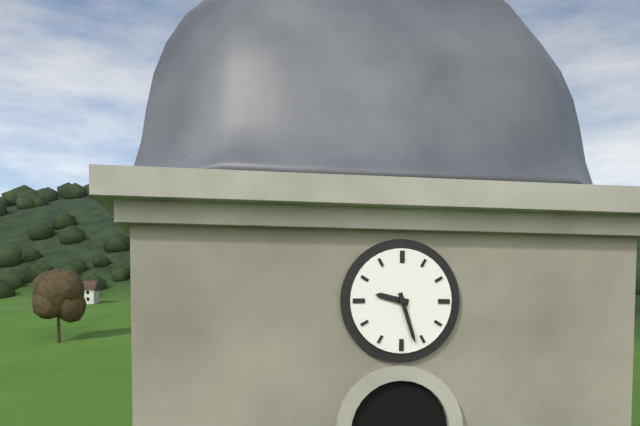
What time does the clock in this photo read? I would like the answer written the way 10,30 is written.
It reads 9,27
